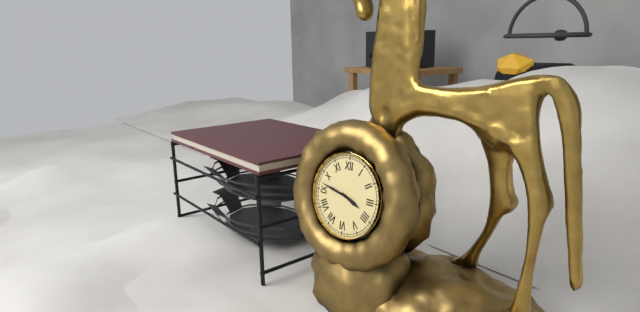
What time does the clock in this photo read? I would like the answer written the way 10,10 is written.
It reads 3,47
